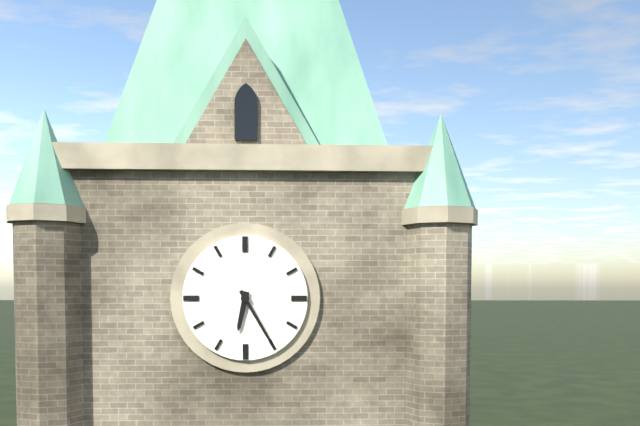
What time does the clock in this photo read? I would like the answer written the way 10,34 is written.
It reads 6,25
